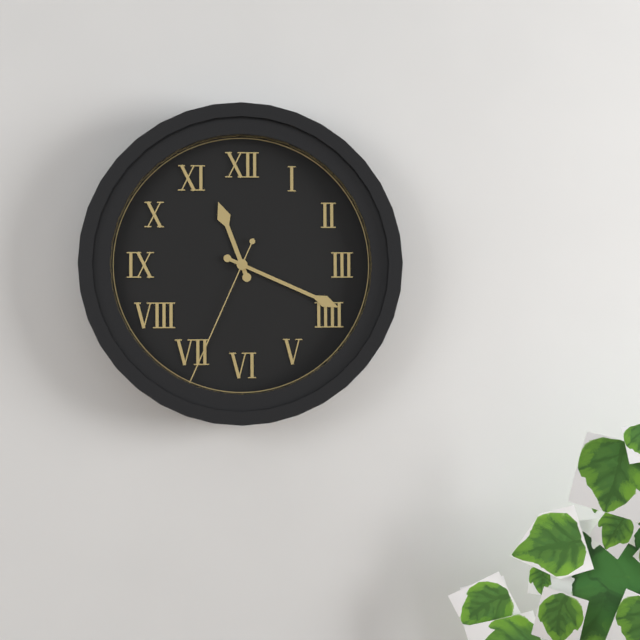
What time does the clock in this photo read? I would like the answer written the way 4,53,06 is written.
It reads 11,19,34
